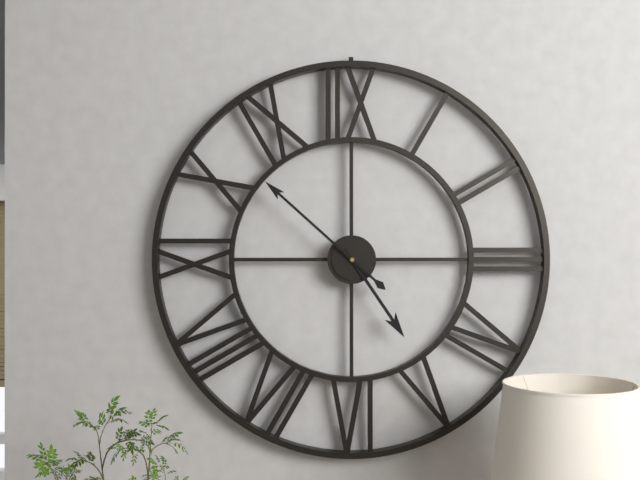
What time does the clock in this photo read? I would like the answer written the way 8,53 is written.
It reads 4,52
